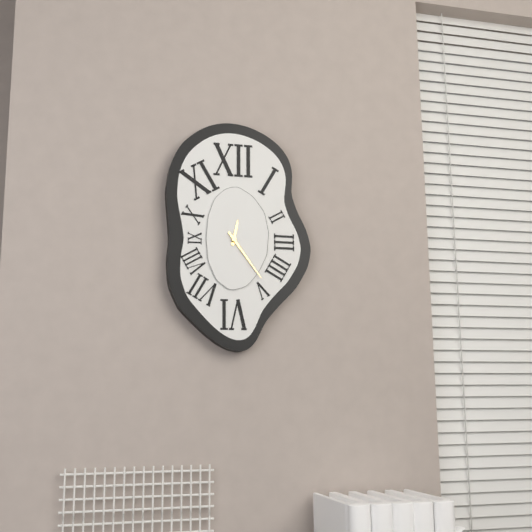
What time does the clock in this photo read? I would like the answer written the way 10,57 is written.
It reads 12,24
